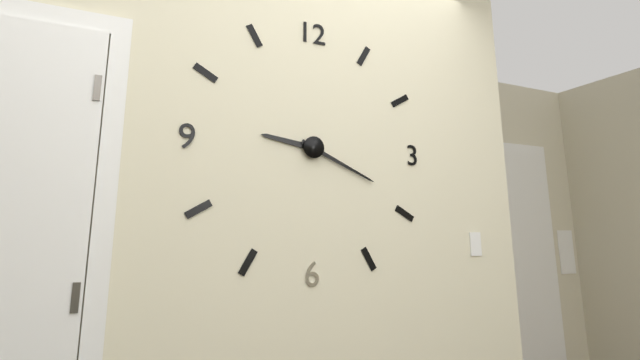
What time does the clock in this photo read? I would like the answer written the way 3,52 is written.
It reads 9,19
